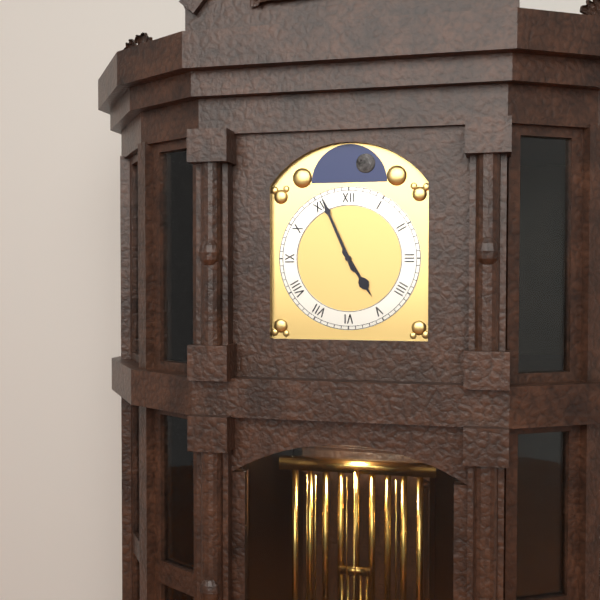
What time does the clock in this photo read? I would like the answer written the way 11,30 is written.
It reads 4,56
